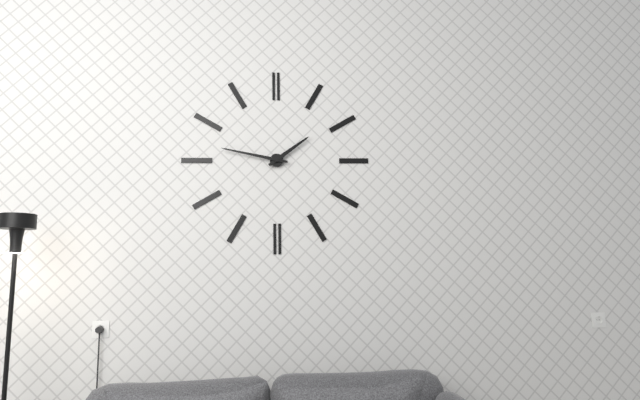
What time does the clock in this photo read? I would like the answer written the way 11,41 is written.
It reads 1,47
